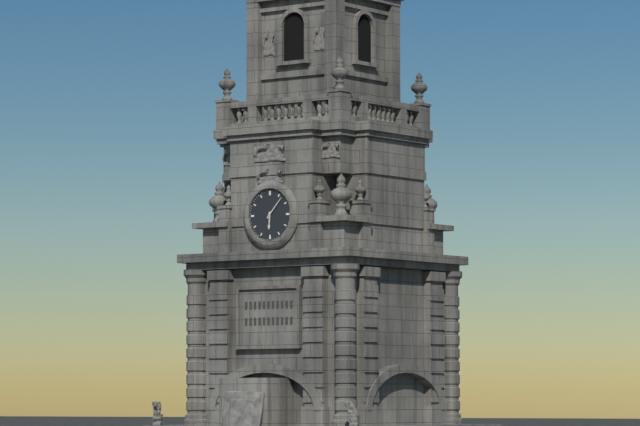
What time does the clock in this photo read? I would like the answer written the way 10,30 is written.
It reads 6,07
